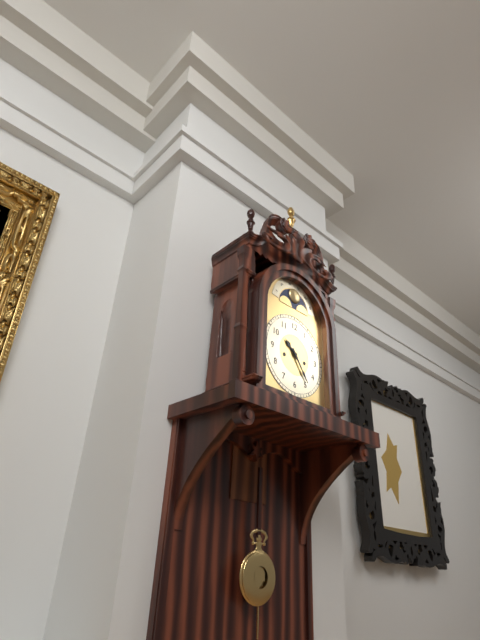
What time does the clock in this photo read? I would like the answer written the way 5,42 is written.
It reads 10,24
